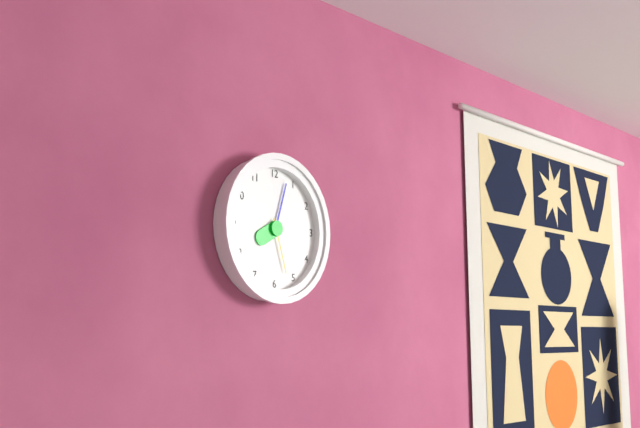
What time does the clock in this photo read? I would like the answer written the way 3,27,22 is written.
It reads 8,03,27
